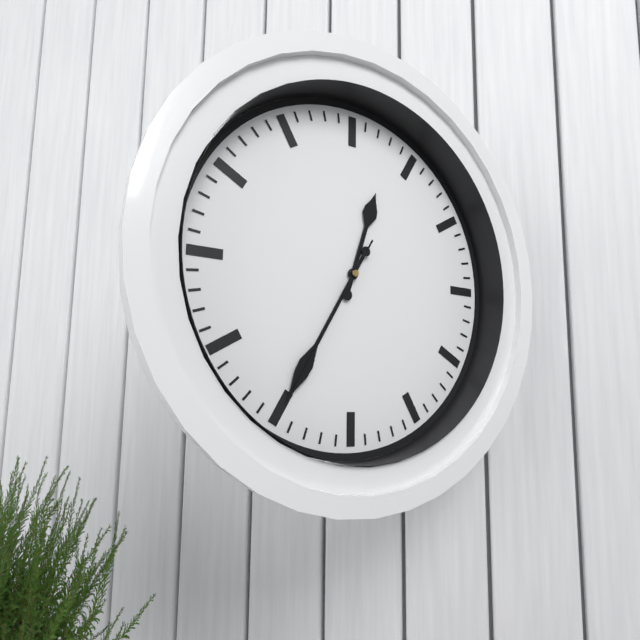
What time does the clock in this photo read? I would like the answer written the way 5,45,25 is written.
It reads 12,35,35
